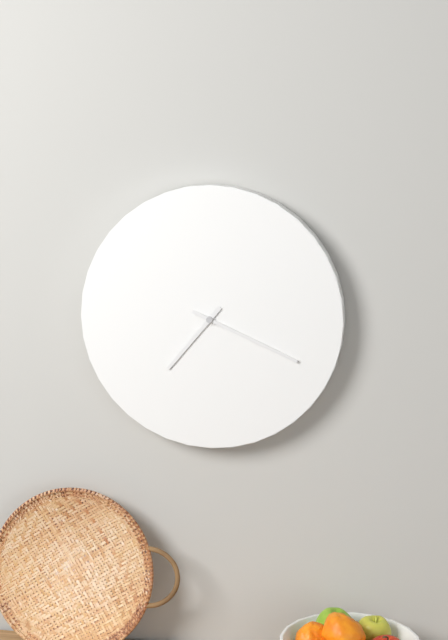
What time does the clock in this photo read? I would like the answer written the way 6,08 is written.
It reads 7,19
